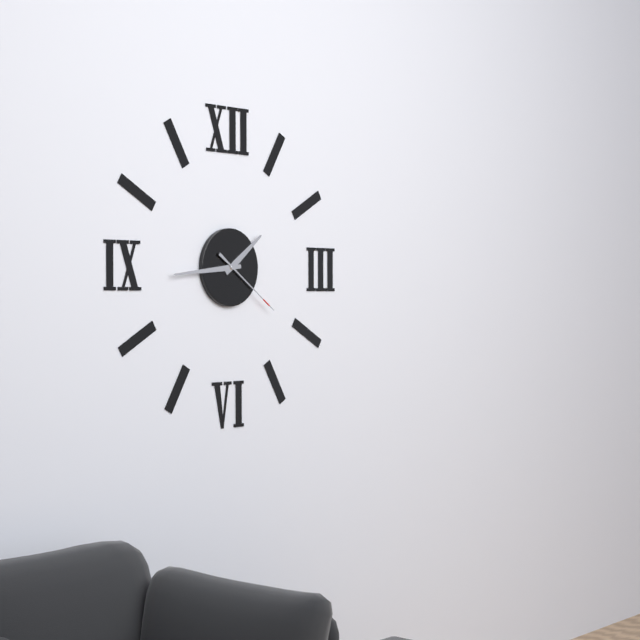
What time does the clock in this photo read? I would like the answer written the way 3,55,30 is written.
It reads 1,44,21
